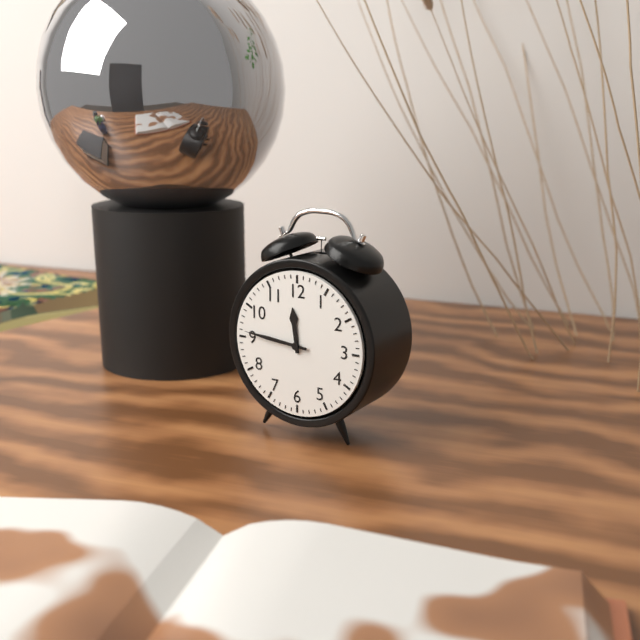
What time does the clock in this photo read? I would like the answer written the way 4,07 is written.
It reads 11,46
